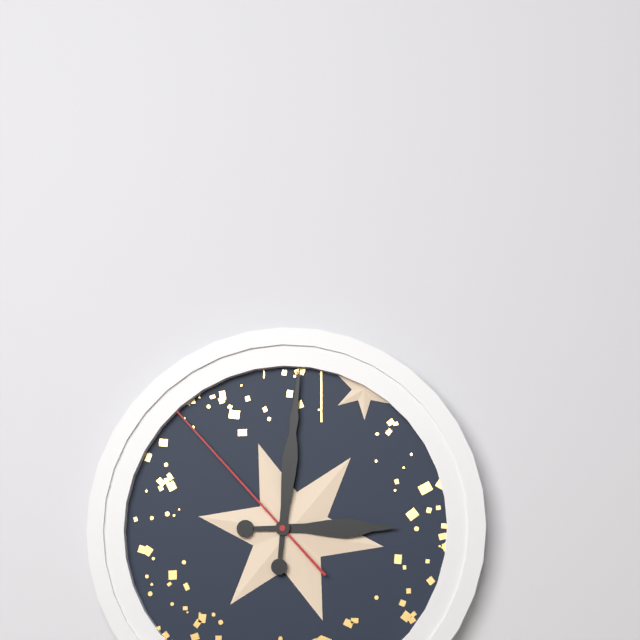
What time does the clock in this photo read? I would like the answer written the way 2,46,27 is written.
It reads 3,01,53
